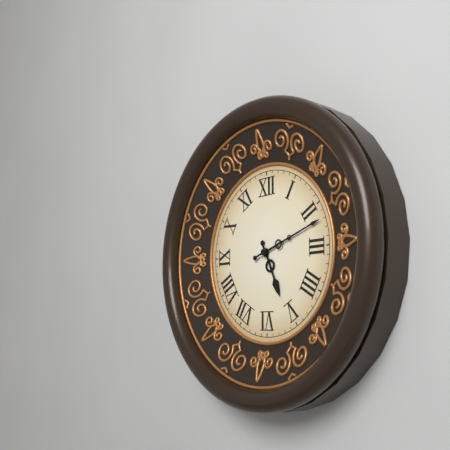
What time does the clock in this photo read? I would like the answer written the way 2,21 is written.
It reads 5,12
